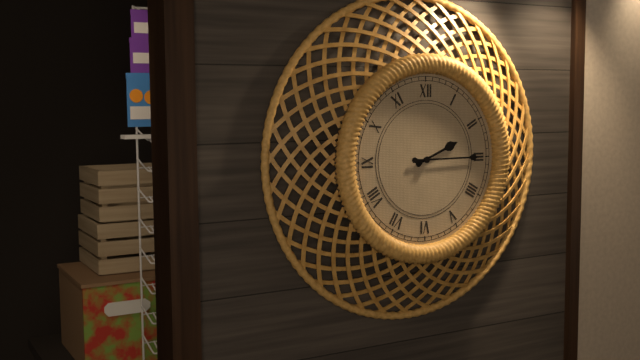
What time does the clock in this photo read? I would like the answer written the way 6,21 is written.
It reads 2,15
